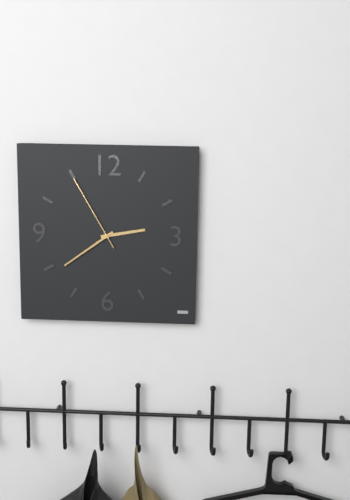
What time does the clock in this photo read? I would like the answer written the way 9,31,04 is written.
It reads 2,39,55
